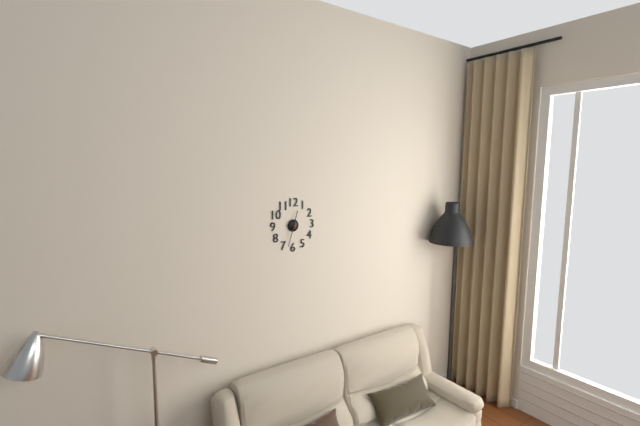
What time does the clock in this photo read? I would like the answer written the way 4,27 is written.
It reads 12,33
